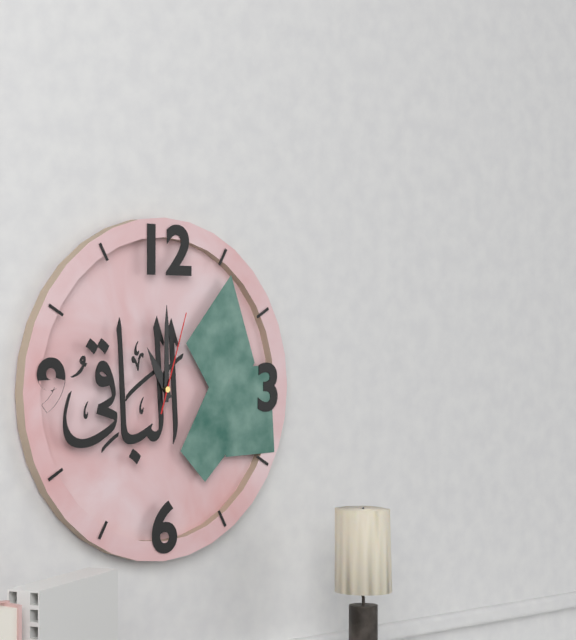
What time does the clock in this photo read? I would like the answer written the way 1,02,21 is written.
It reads 11,00,03
